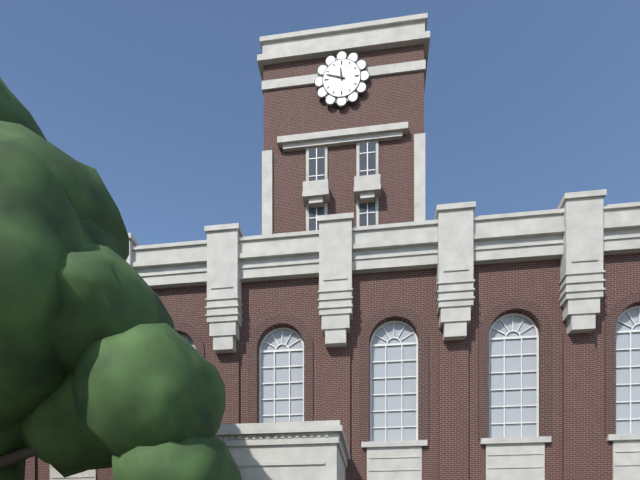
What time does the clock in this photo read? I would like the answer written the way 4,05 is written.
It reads 11,48
